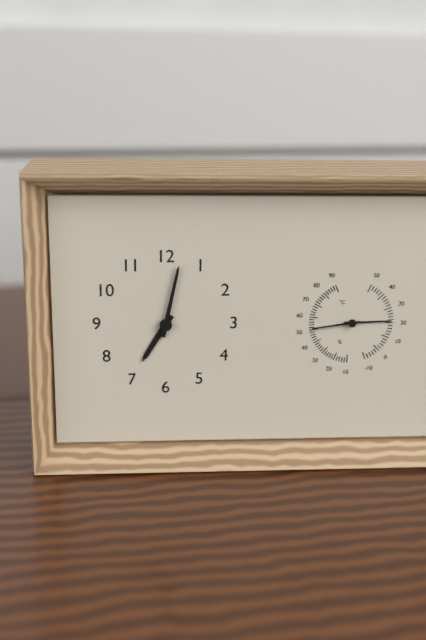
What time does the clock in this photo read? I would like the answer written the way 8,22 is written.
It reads 7,02
